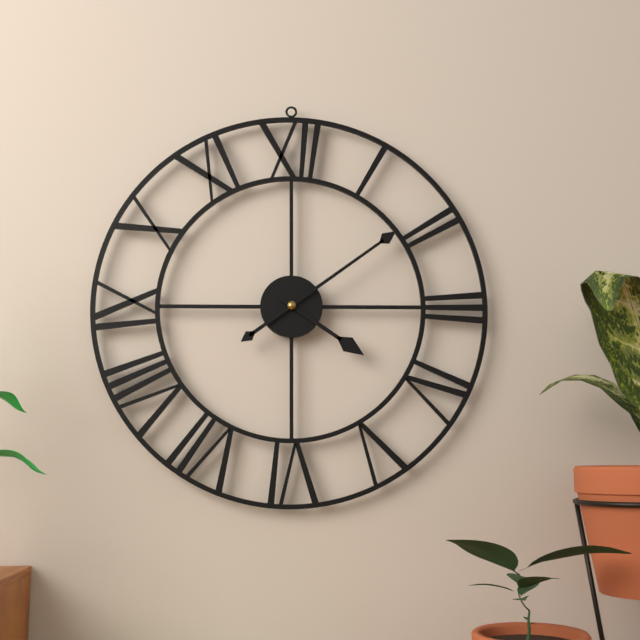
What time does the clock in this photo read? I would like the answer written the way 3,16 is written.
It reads 4,09
